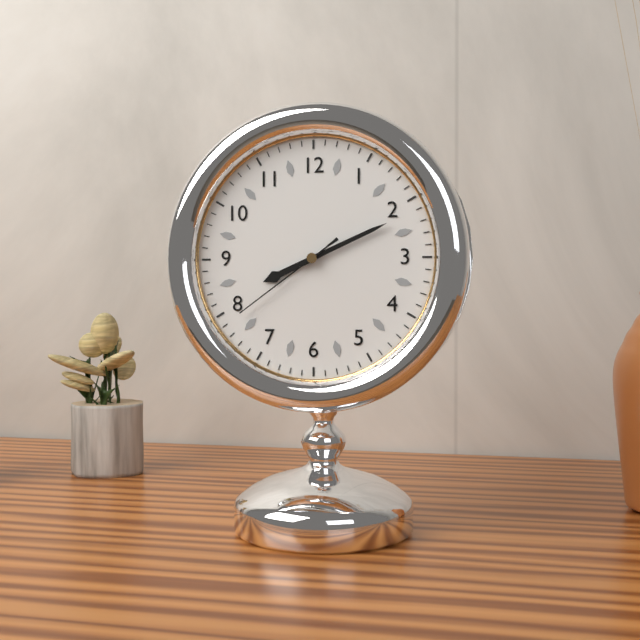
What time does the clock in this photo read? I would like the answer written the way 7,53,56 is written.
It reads 8,11,39
